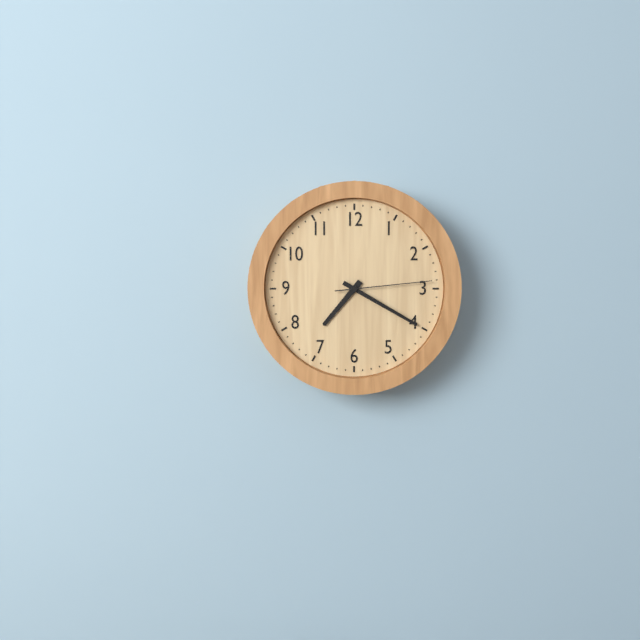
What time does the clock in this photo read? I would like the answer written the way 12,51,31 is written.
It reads 7,20,14
